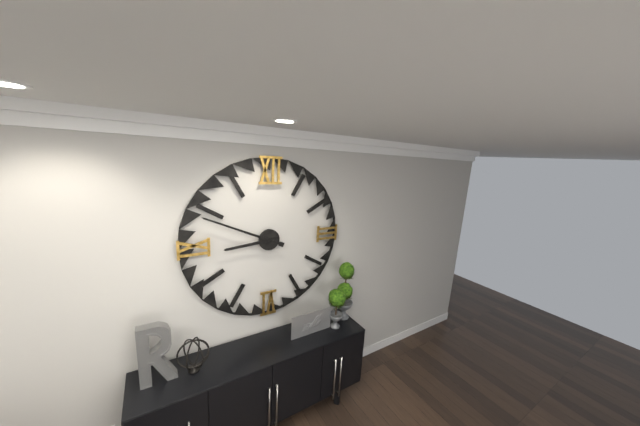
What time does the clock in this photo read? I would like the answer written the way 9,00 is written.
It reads 8,49
